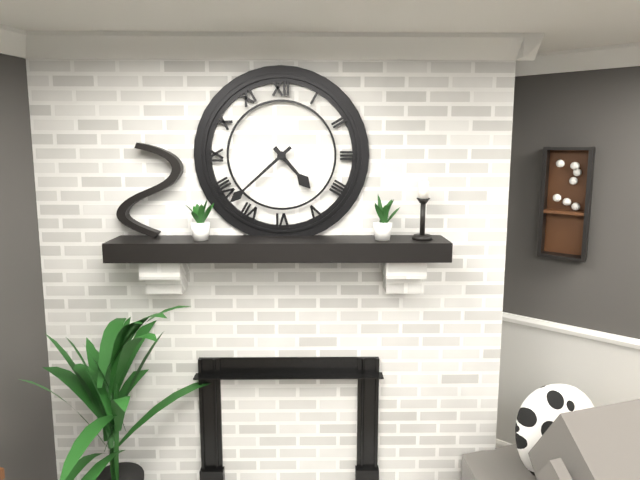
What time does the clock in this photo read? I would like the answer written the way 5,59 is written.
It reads 4,38
